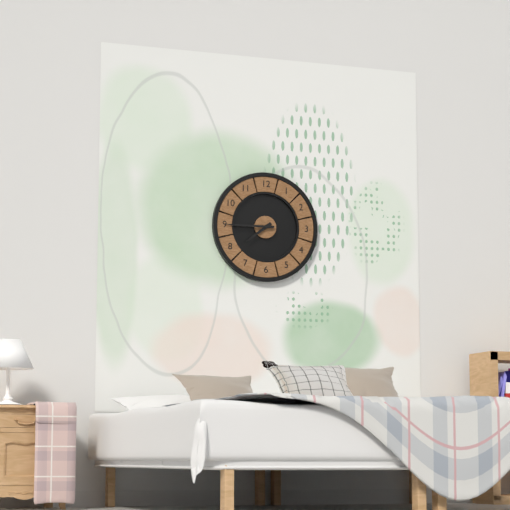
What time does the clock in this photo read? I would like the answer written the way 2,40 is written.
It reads 7,45
